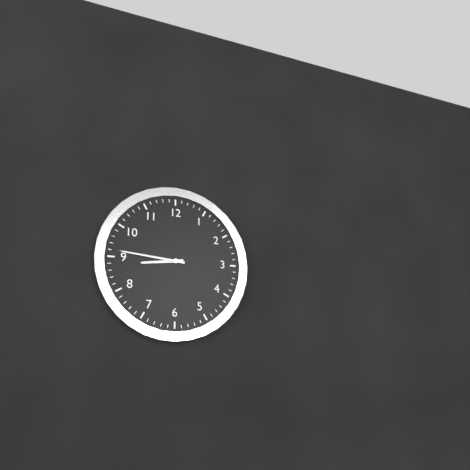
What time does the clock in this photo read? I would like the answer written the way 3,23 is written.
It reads 8,46
